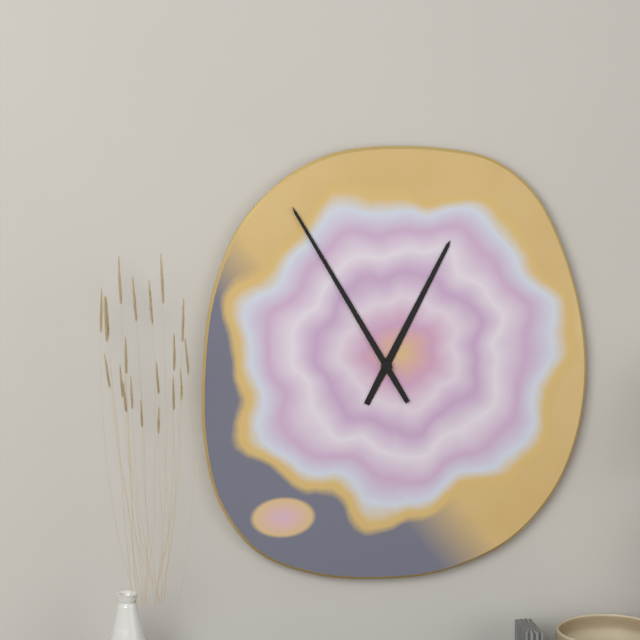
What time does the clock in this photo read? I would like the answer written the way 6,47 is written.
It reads 12,55
